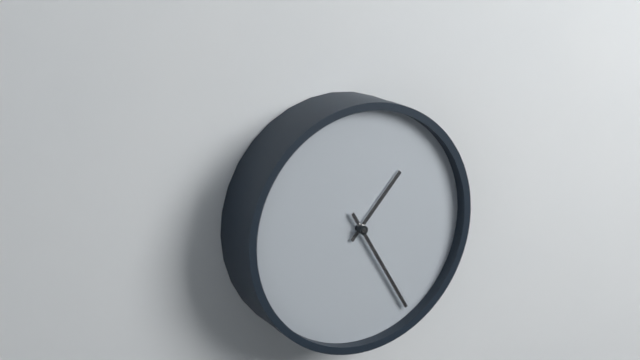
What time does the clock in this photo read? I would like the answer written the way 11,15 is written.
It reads 1,25
